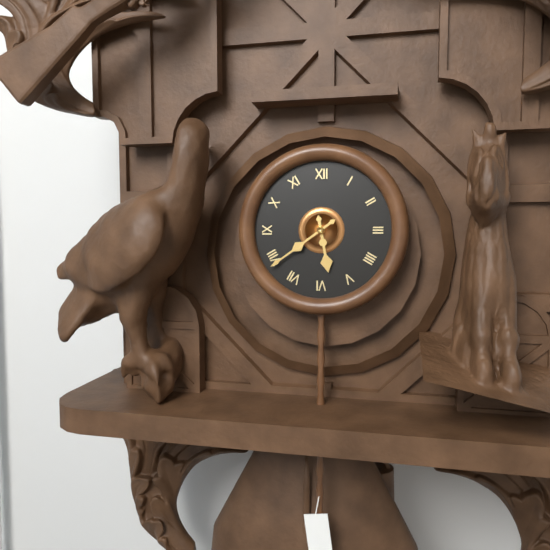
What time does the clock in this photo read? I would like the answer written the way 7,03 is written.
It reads 5,39
